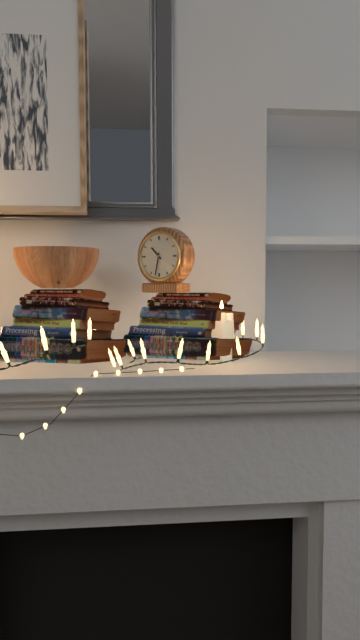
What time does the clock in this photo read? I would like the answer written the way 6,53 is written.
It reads 10,32
